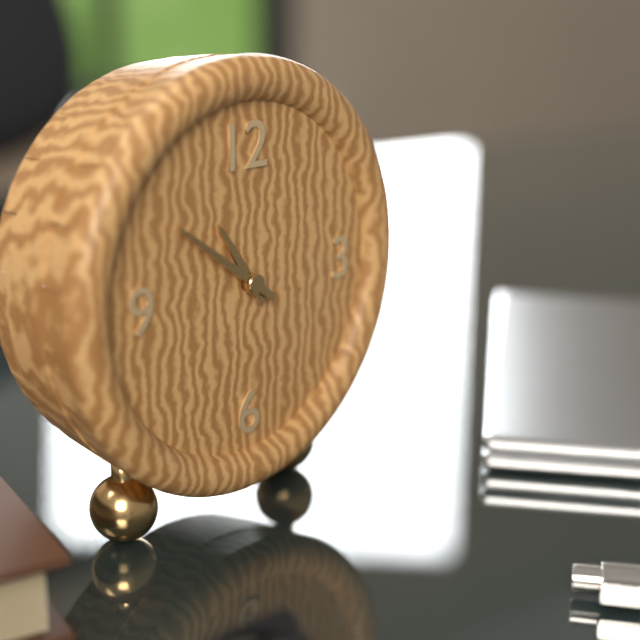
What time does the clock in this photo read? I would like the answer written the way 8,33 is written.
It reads 10,51
